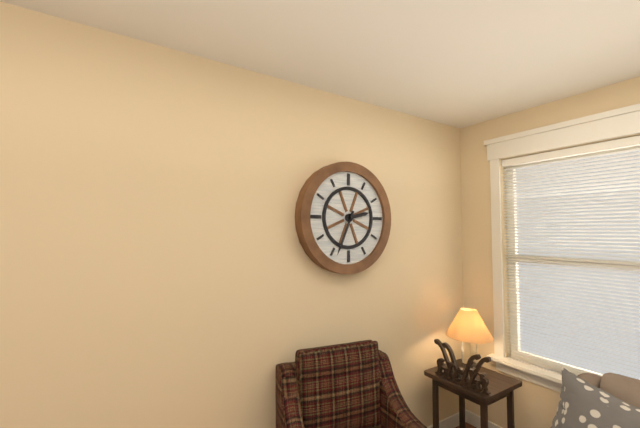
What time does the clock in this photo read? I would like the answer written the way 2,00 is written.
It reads 2,34
